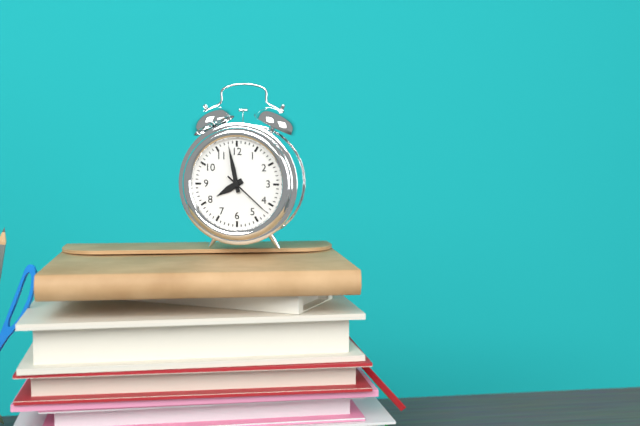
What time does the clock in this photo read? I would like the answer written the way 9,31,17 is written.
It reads 7,58,22
